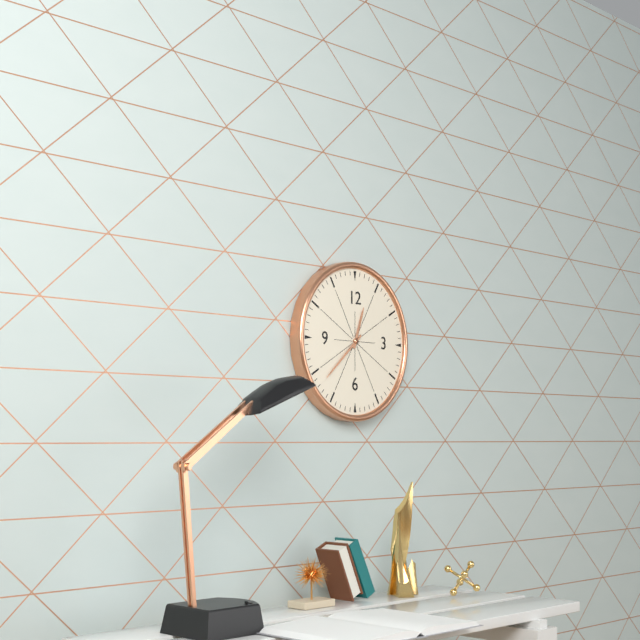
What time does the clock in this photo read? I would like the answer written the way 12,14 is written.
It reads 12,38
